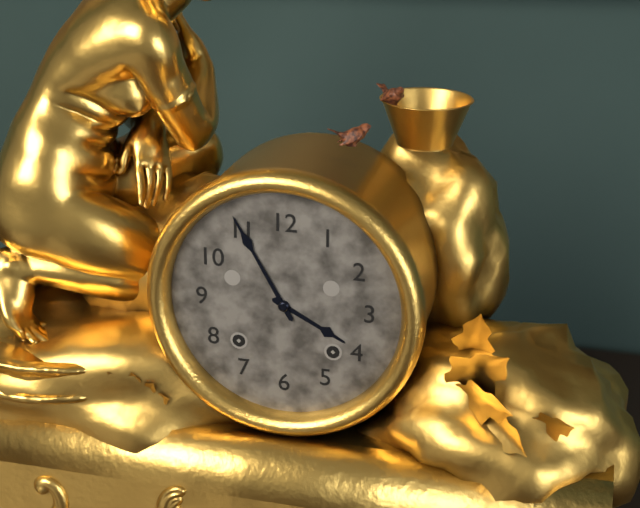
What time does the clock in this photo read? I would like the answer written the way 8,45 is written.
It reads 3,55
